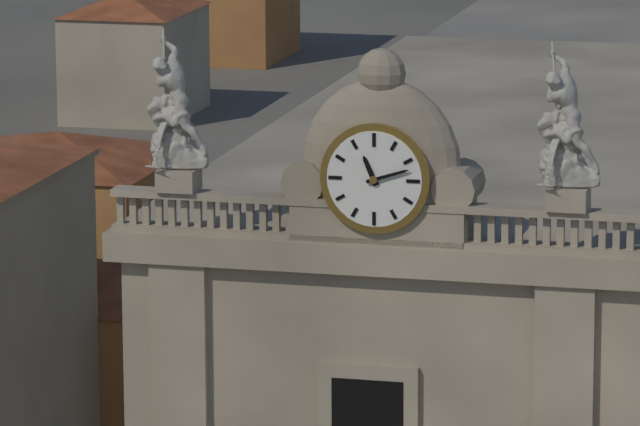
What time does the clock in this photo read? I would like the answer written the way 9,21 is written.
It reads 11,12
